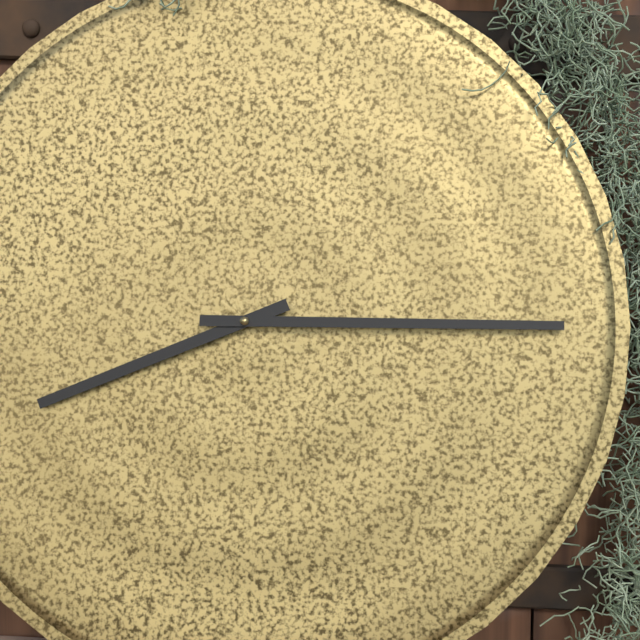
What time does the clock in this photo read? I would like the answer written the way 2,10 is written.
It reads 8,15
